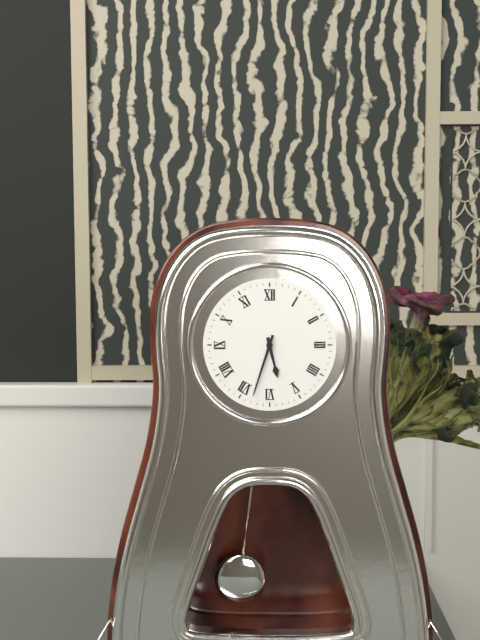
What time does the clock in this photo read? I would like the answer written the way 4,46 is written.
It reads 5,33
